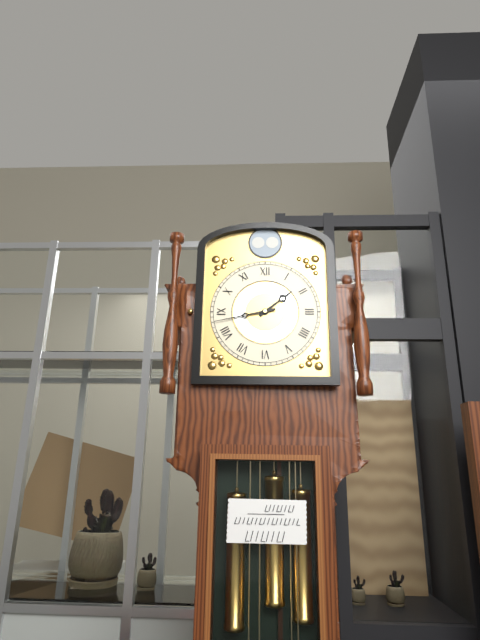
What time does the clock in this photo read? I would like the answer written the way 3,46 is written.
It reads 1,43
